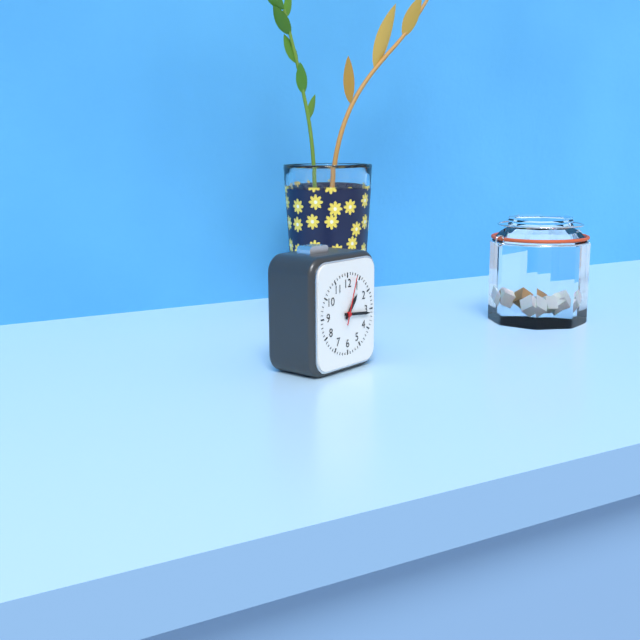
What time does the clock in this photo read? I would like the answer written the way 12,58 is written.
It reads 1,16
